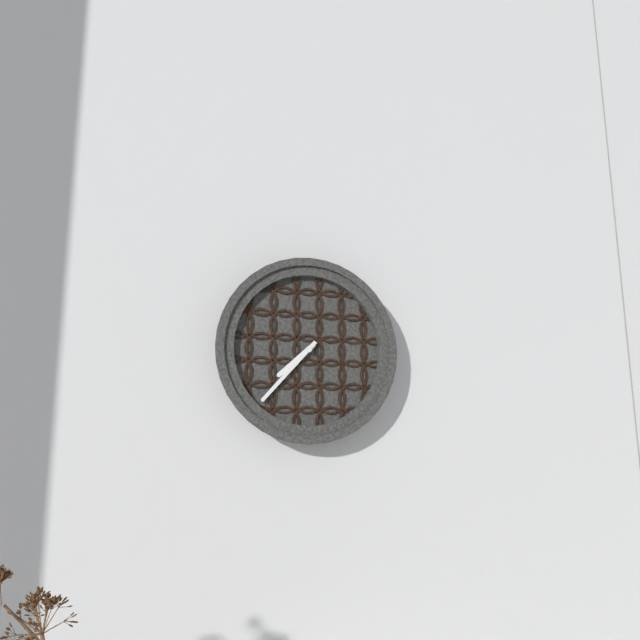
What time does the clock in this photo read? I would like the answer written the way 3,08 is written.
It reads 7,37
